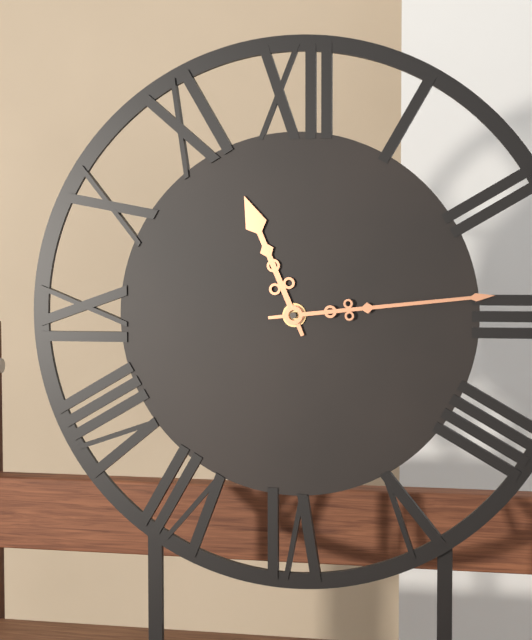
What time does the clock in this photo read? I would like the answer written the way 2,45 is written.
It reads 11,14
